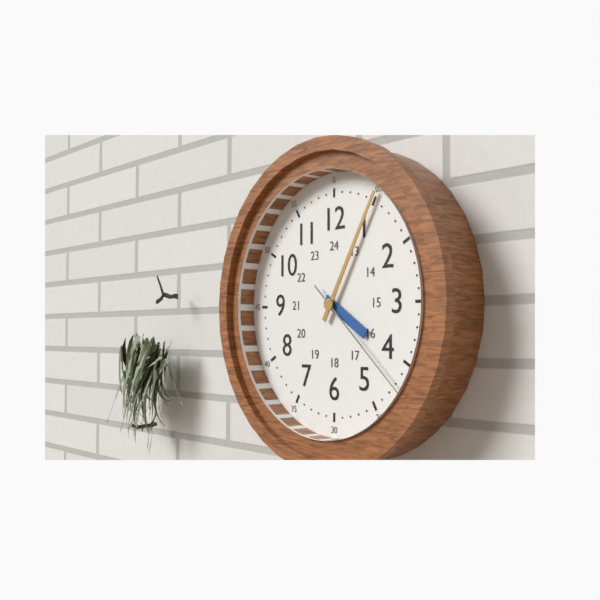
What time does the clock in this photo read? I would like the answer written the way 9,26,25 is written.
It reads 4,05,22
